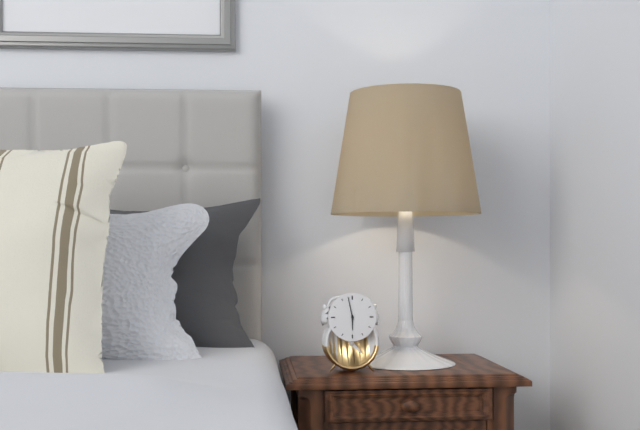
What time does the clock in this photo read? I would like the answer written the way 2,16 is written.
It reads 5,58
